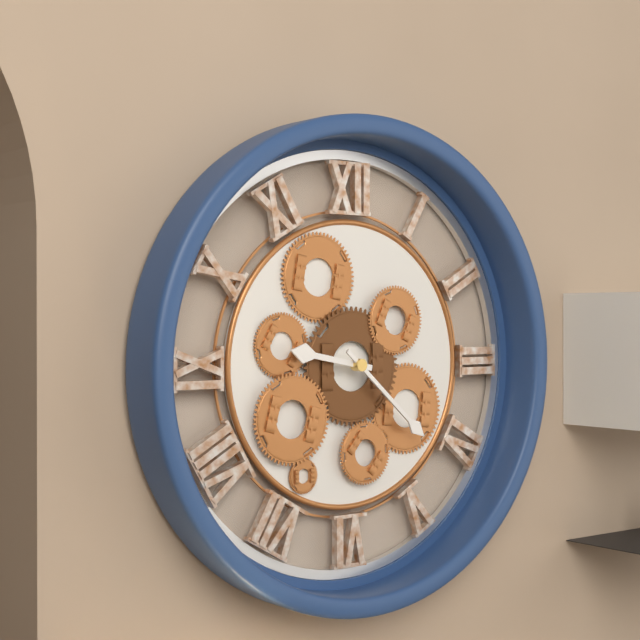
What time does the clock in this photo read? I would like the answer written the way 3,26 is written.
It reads 9,22
